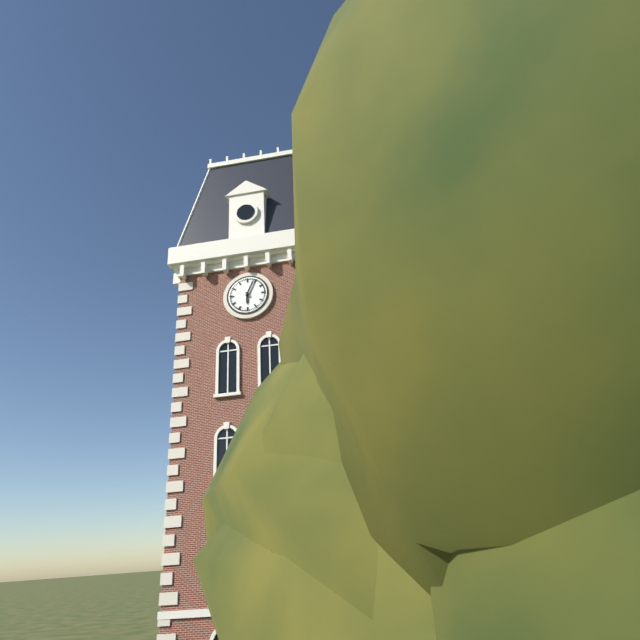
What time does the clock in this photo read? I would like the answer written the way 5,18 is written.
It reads 6,04
